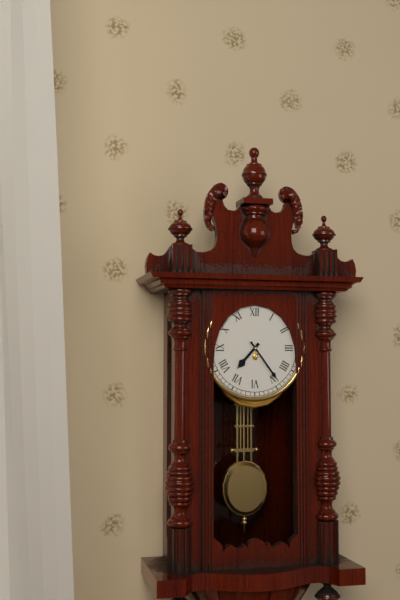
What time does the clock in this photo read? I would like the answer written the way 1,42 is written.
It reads 7,24
